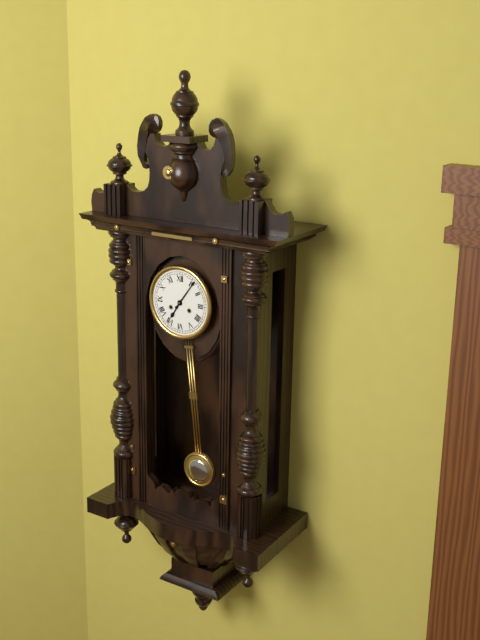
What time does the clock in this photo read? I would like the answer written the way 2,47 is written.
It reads 7,06
